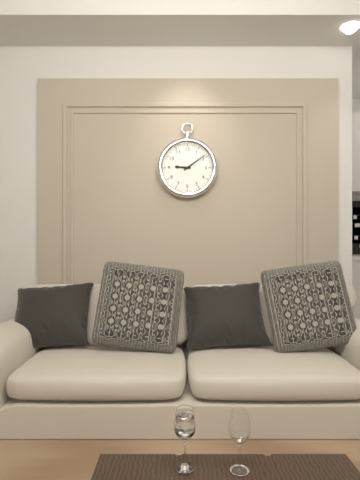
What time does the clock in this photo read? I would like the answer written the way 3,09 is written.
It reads 9,09
